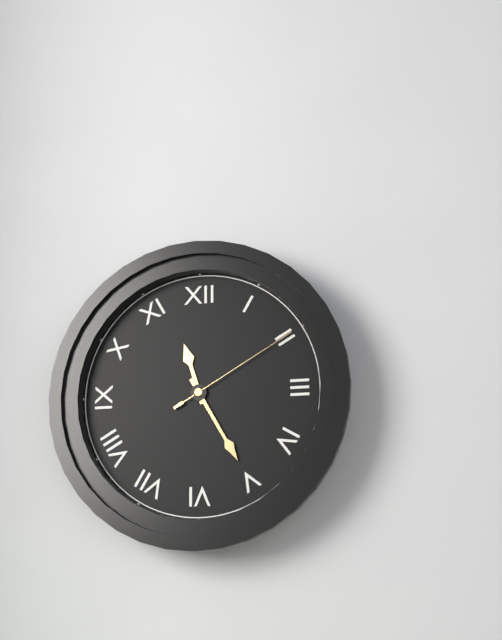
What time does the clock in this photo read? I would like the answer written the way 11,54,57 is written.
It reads 11,25,10
